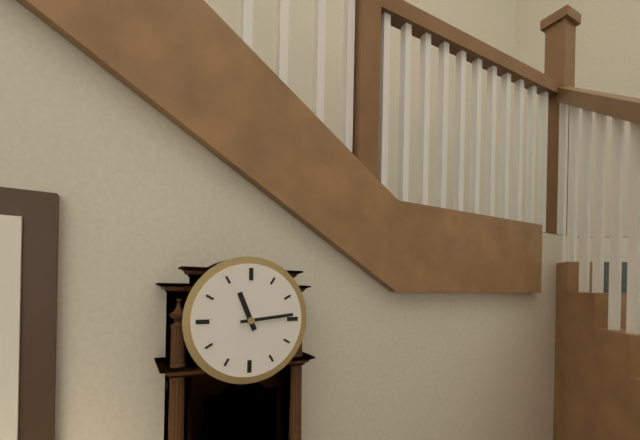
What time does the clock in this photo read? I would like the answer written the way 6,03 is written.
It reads 11,14
